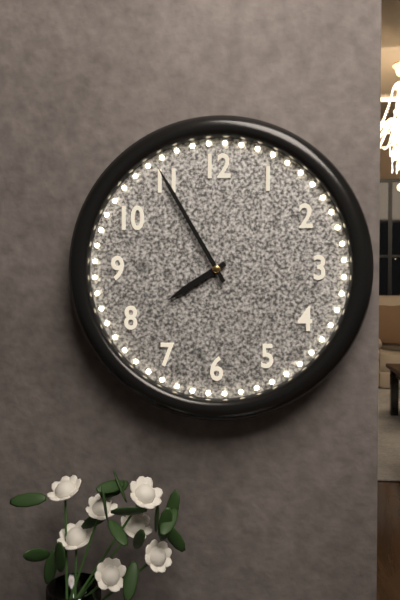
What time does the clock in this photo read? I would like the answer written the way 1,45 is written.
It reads 7,55
